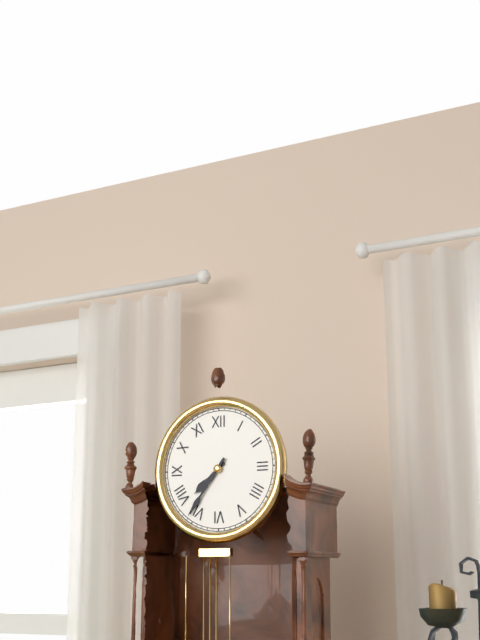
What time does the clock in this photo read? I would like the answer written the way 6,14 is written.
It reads 7,36
